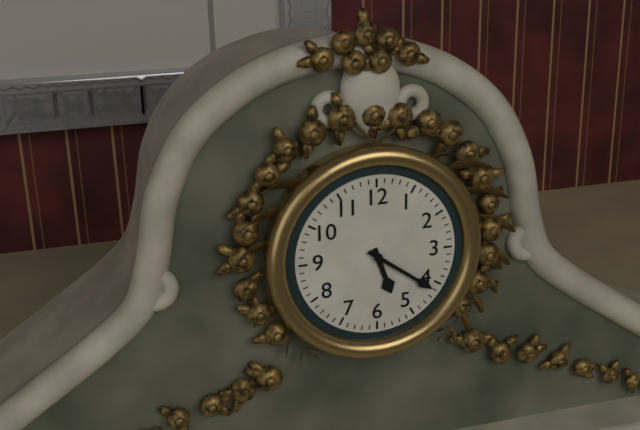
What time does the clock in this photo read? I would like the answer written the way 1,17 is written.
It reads 5,21
